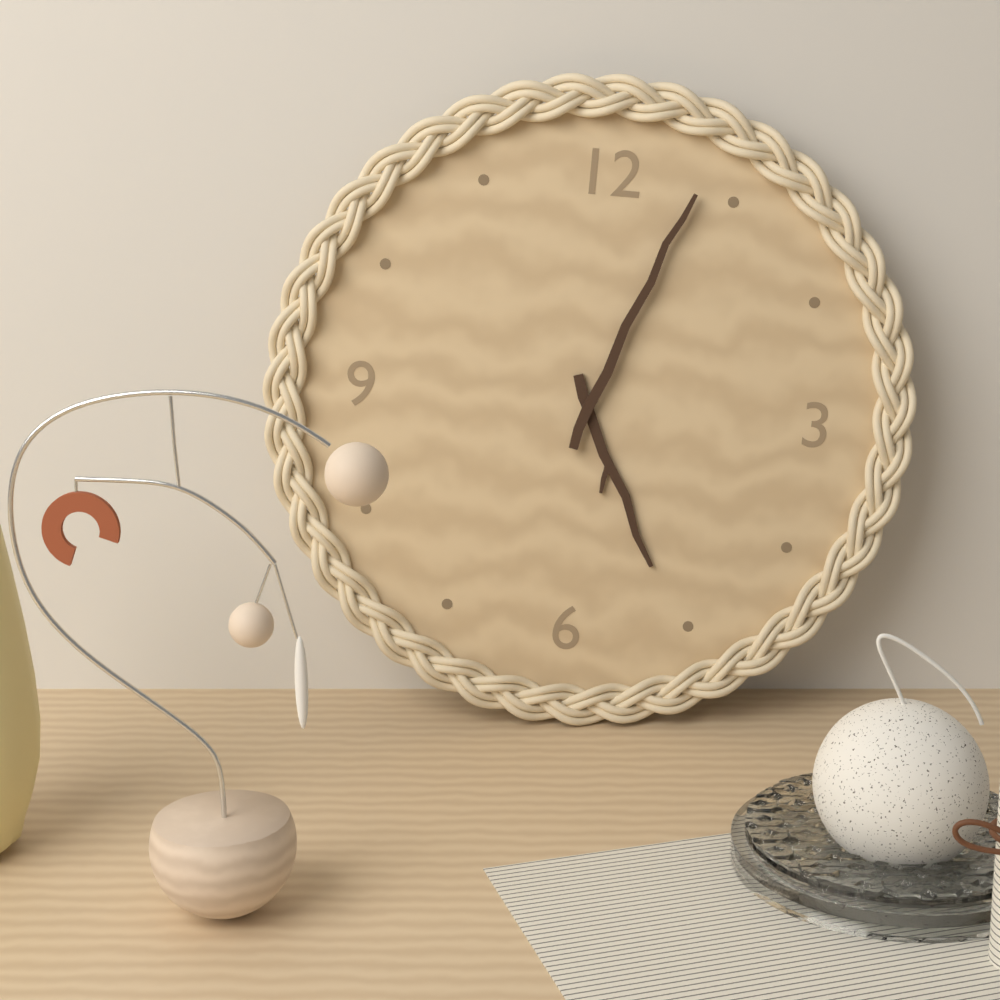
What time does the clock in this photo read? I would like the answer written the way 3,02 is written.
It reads 5,03
